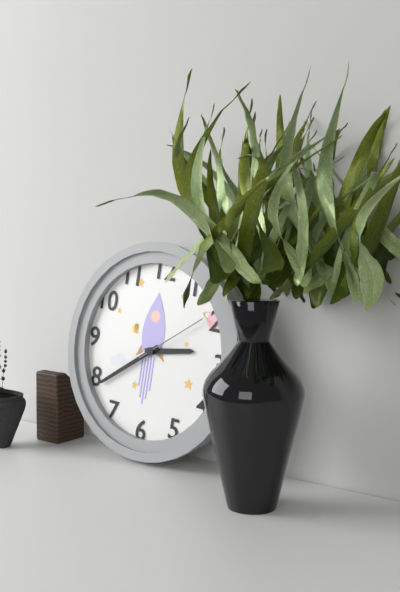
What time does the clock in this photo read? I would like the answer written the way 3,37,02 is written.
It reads 2,39,09
